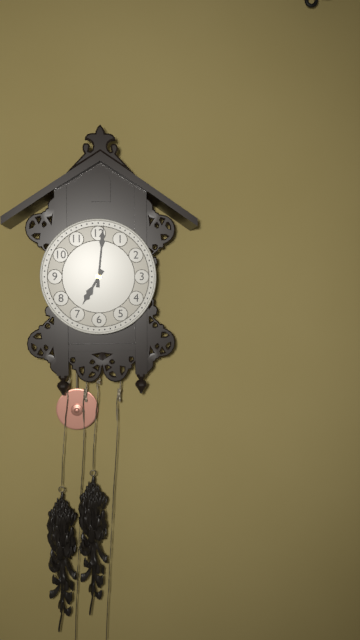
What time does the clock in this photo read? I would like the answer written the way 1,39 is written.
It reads 7,01
